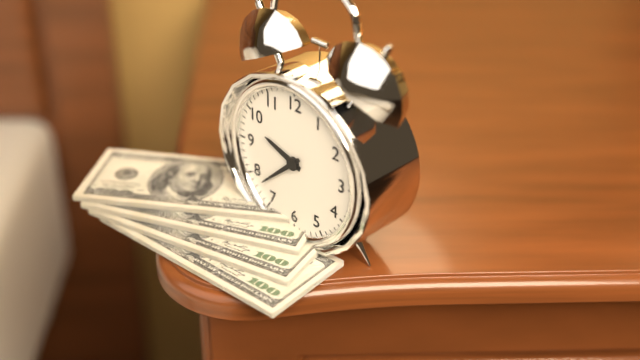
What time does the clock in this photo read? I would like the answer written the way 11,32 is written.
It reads 9,38
